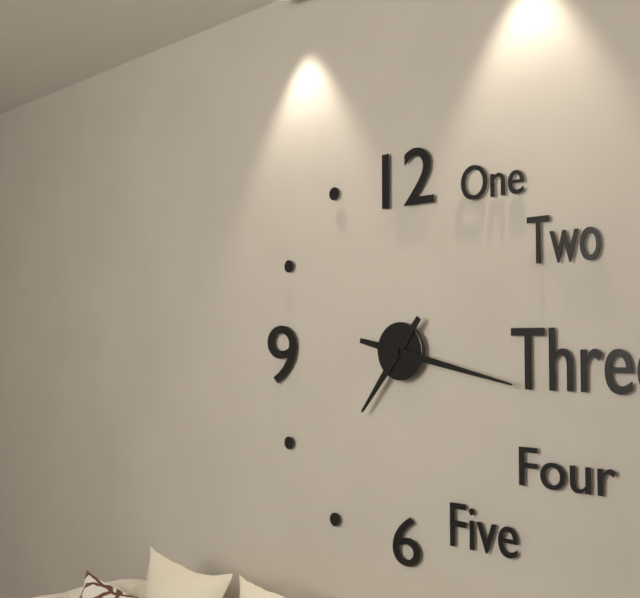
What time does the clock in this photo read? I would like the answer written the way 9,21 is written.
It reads 7,17
